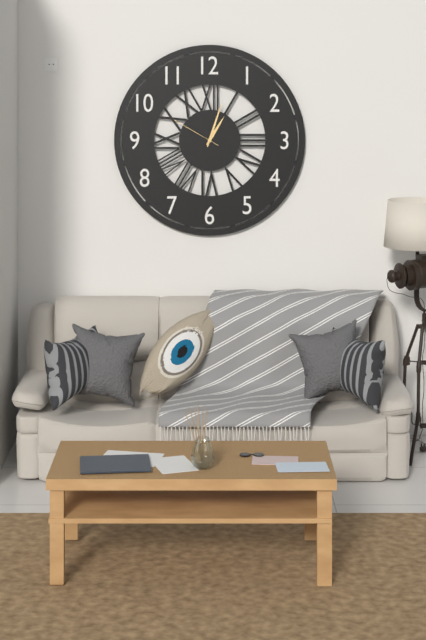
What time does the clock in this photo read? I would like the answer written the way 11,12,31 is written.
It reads 1,03,50
